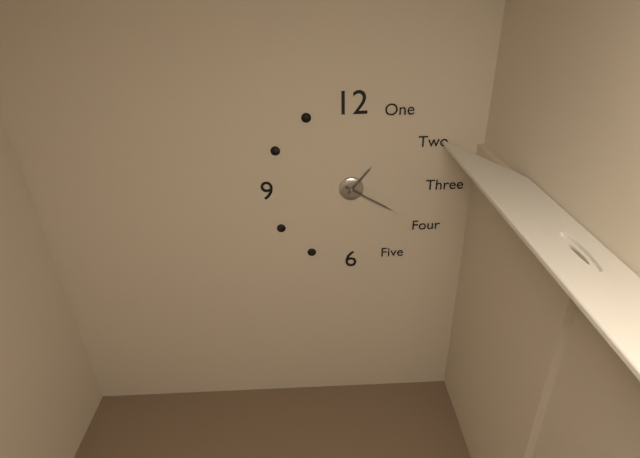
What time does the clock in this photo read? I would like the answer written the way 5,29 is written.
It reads 1,20
